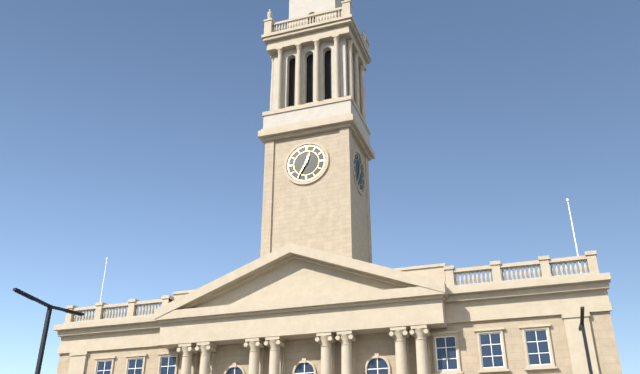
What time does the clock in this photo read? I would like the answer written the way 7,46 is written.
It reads 12,35
